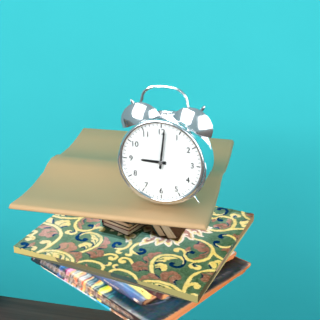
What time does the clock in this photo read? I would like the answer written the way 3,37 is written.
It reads 9,01
